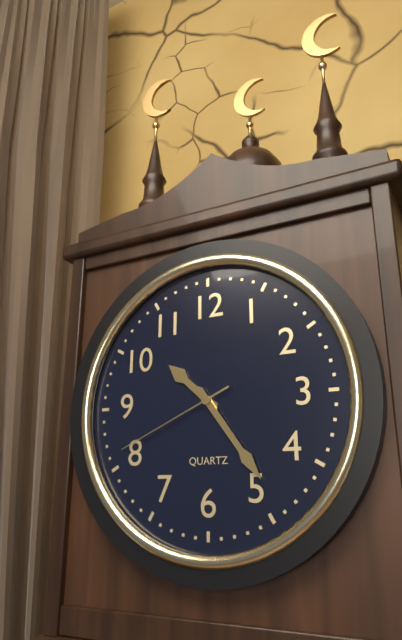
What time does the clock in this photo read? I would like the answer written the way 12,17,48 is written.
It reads 10,24,41
